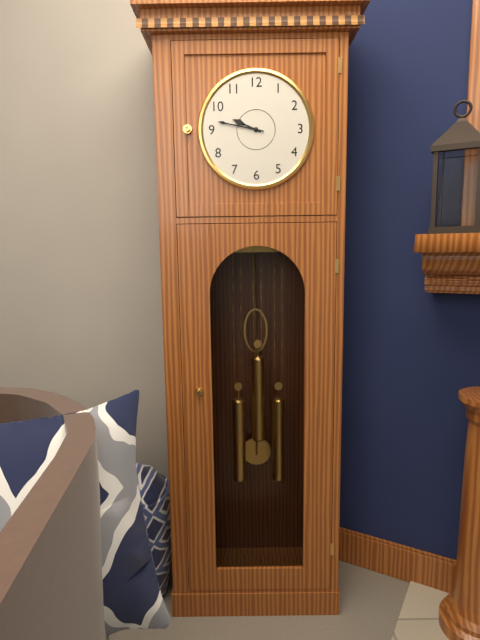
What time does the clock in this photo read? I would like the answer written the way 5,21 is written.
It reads 9,47
